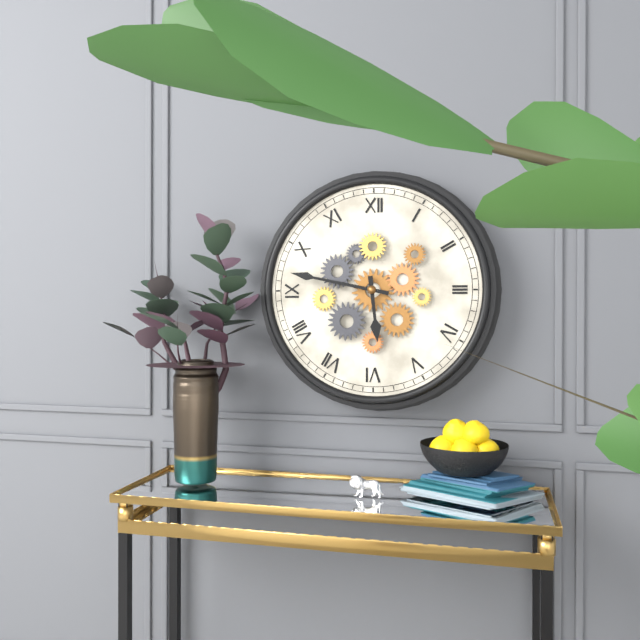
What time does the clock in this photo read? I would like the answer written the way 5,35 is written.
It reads 5,47
